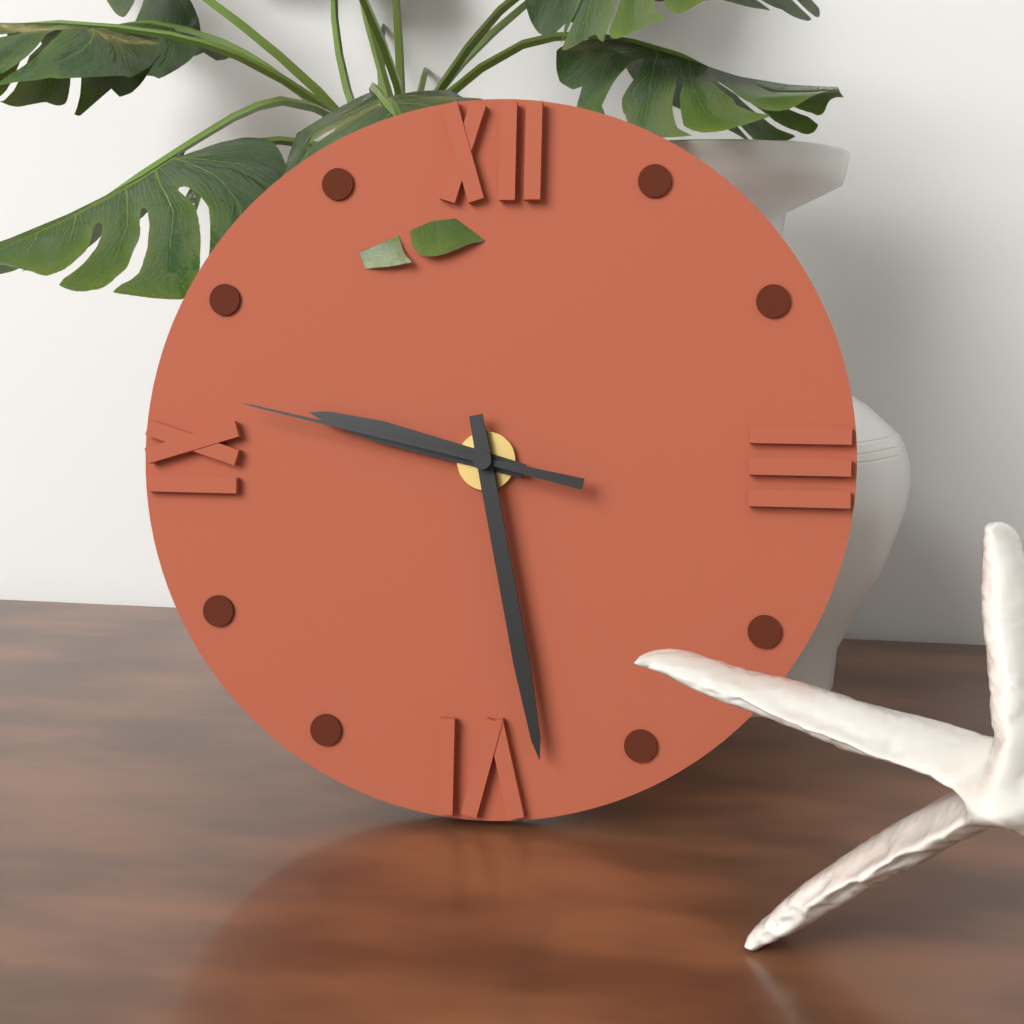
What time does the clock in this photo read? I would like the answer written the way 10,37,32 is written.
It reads 9,28,47
